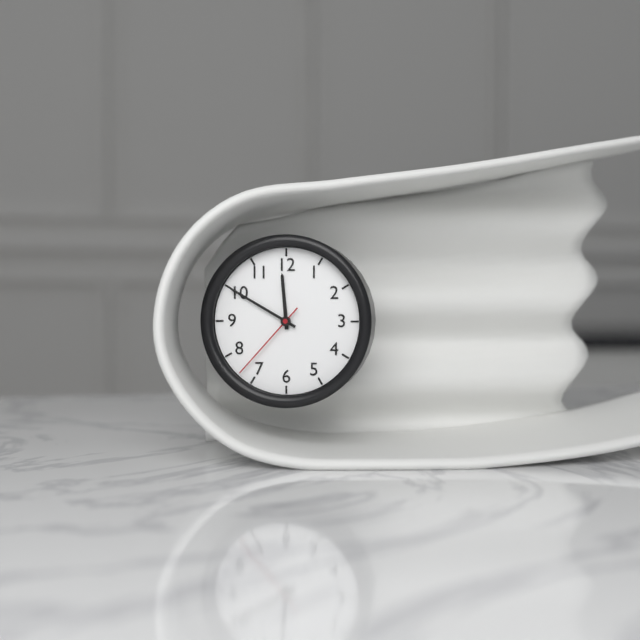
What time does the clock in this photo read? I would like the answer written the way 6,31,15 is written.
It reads 11,50,37
